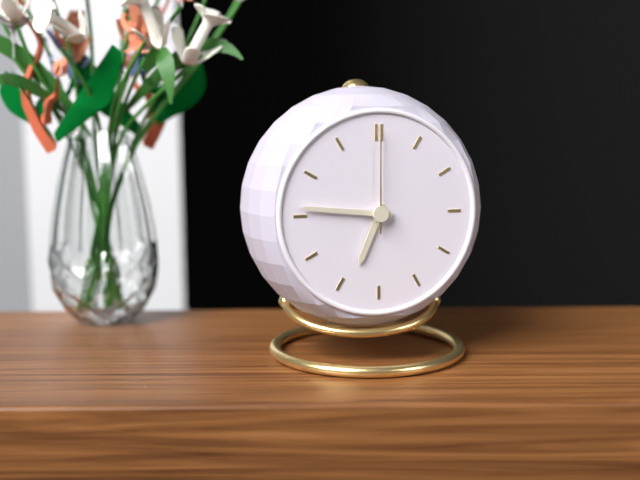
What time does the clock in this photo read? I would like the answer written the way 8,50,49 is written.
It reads 6,46,00
